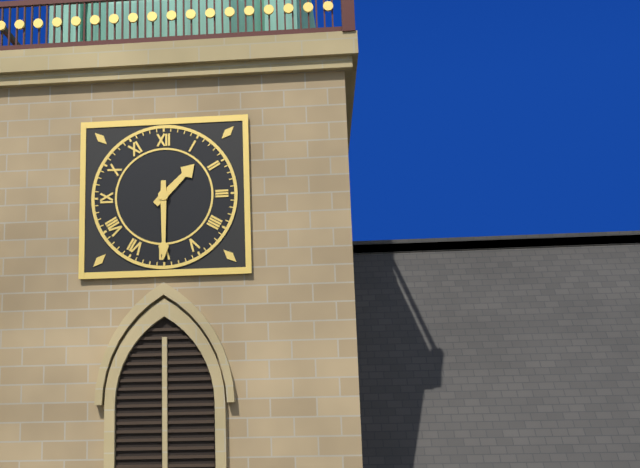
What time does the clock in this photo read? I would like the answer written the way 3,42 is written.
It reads 1,30
